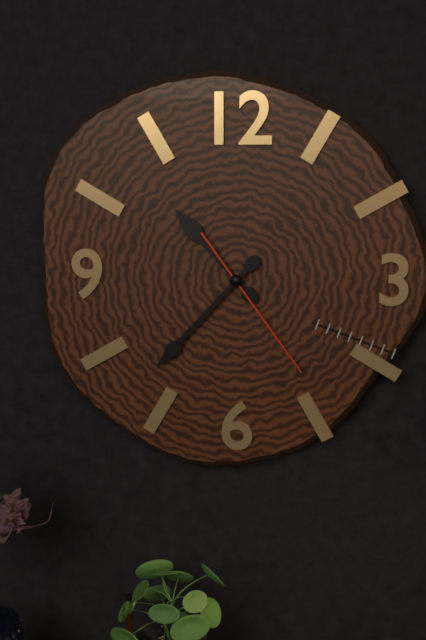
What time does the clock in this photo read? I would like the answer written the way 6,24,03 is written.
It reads 10,37,24
